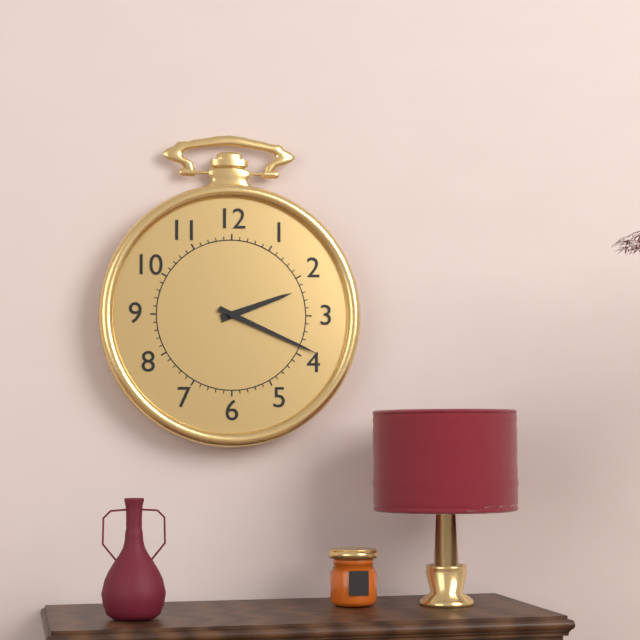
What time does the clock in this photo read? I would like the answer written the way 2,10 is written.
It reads 2,19
